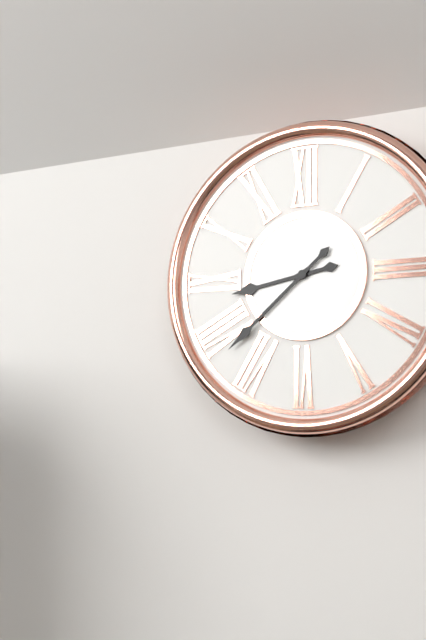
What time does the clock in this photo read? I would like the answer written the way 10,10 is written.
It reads 8,38
